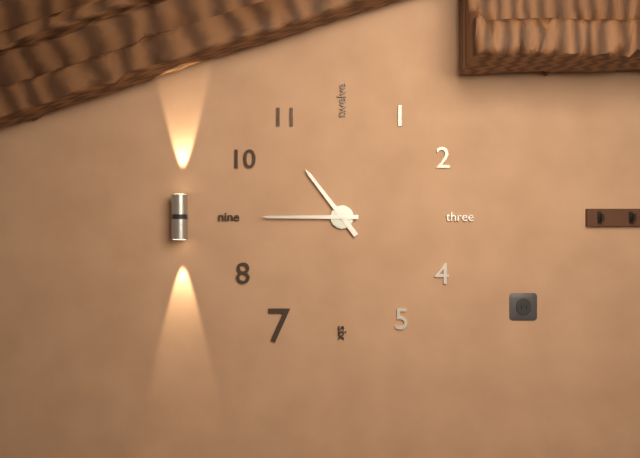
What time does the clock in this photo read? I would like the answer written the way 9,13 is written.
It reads 10,45
